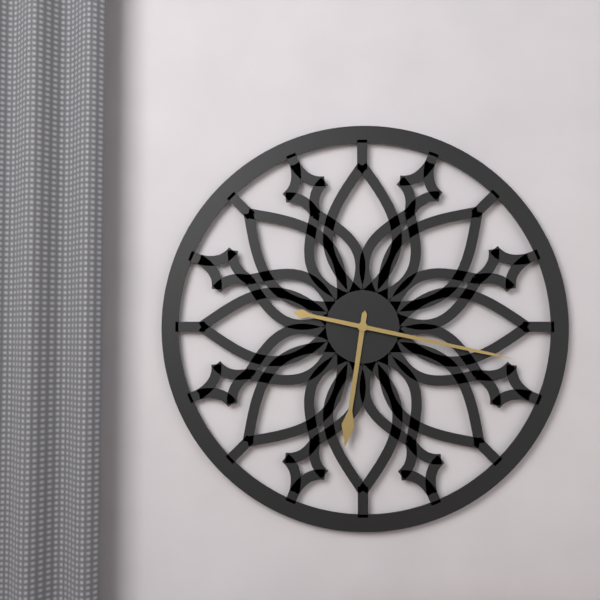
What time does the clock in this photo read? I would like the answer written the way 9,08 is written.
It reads 6,17
